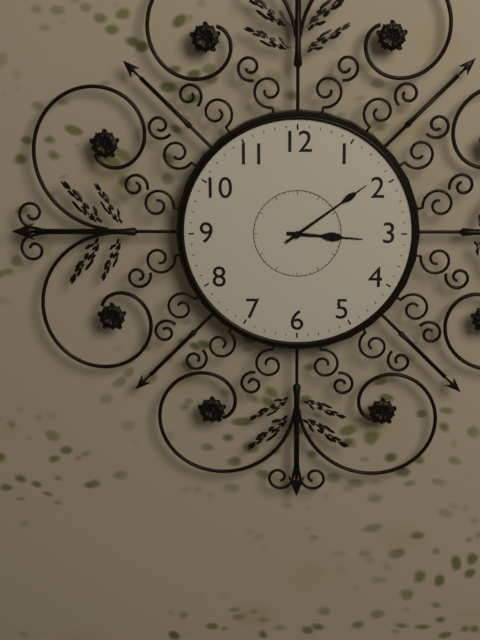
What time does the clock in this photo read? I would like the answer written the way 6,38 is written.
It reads 3,09
